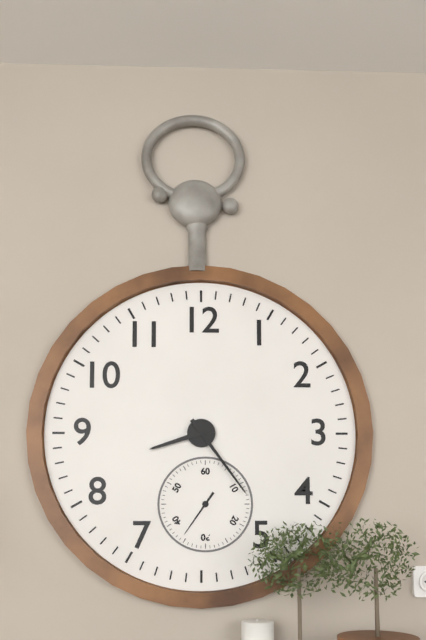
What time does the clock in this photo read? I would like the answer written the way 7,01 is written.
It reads 8,24
